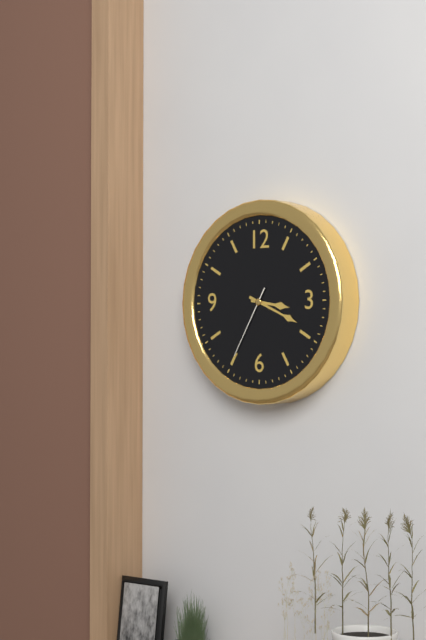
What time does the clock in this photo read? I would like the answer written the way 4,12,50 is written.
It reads 3,19,35
